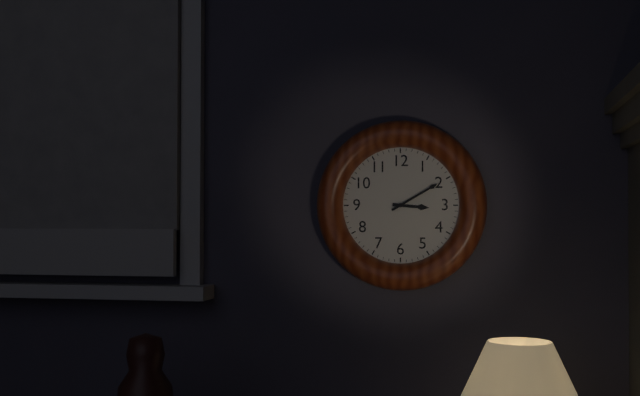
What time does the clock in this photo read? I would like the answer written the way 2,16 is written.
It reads 3,10
